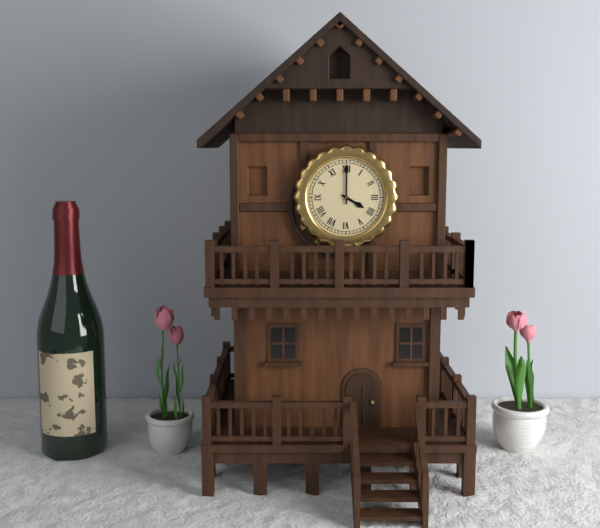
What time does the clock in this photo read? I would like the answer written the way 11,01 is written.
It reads 4,00
